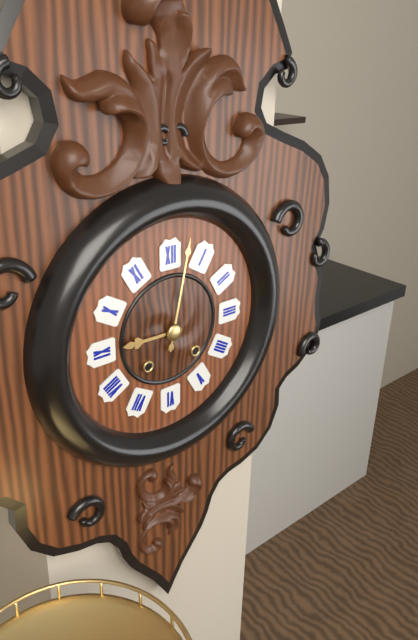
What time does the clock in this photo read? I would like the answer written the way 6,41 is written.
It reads 9,02
